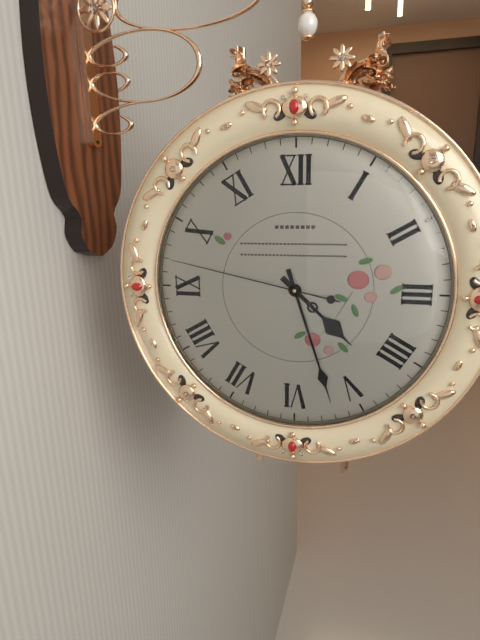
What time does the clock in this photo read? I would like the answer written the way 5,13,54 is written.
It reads 4,27,47
